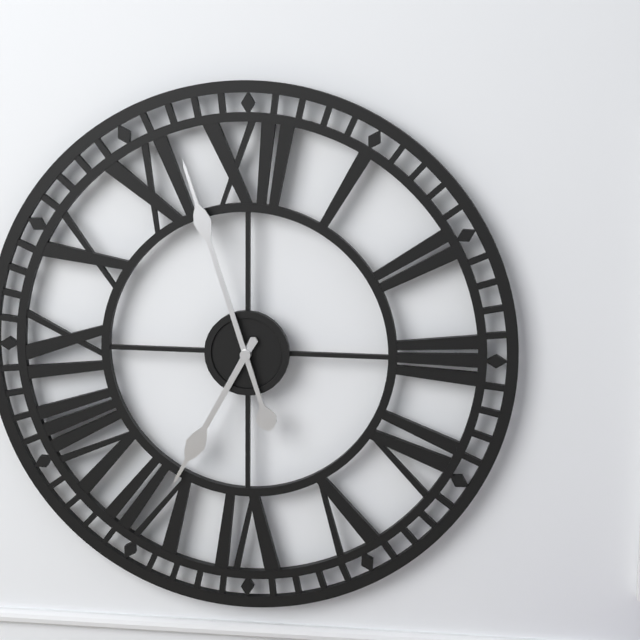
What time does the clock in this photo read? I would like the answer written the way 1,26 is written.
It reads 6,57
